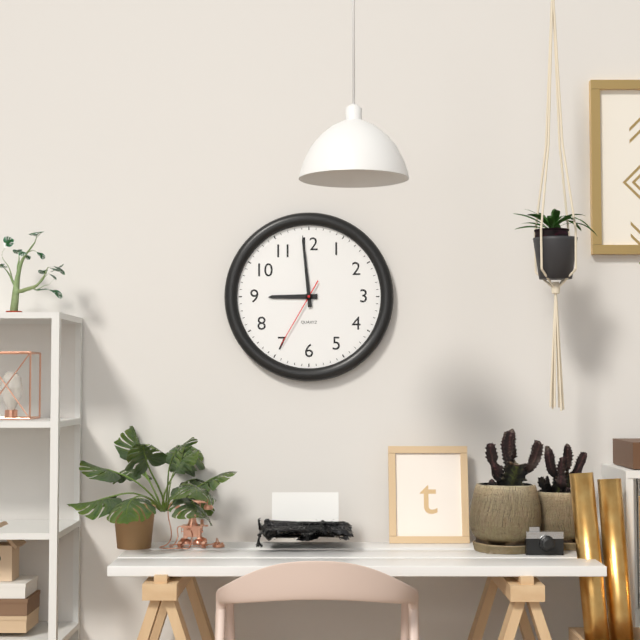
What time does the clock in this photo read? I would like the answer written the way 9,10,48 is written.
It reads 8,59,35
